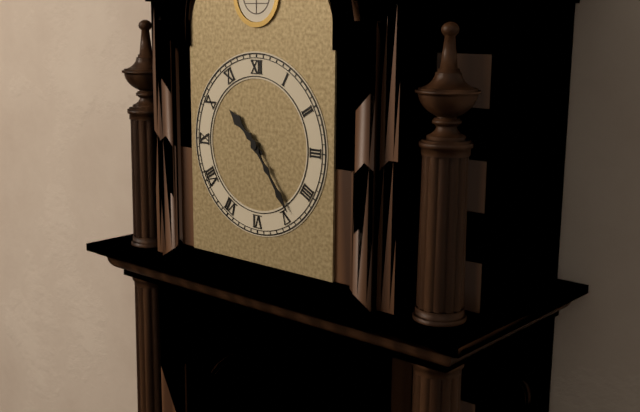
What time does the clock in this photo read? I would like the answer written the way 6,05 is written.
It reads 10,24
